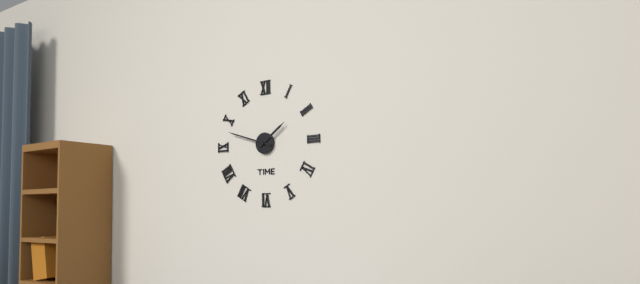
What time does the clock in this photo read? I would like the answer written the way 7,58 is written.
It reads 1,48
